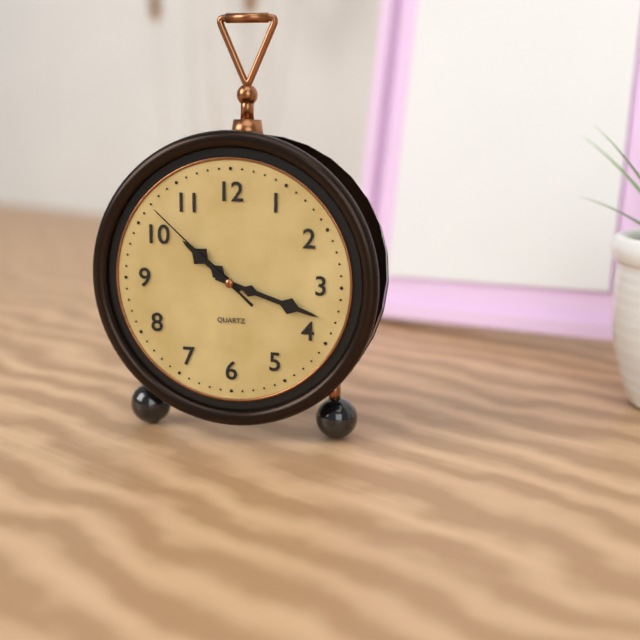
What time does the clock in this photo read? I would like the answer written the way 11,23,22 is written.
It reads 10,18,52
